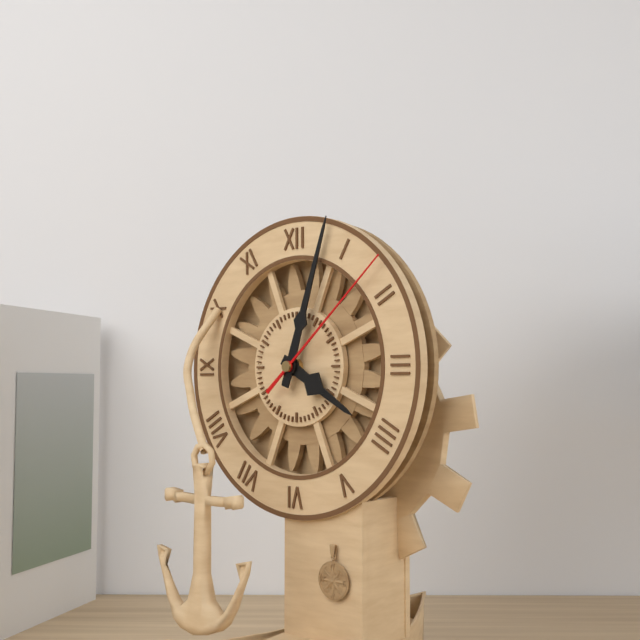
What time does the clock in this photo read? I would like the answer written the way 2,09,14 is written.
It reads 4,03,08
